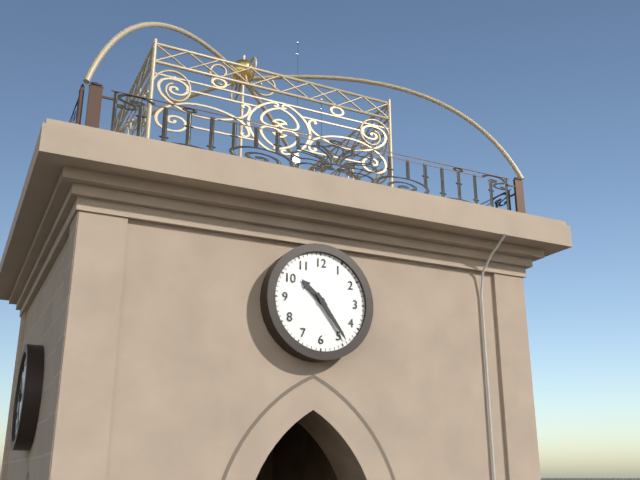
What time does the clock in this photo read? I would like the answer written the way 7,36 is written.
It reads 10,24
